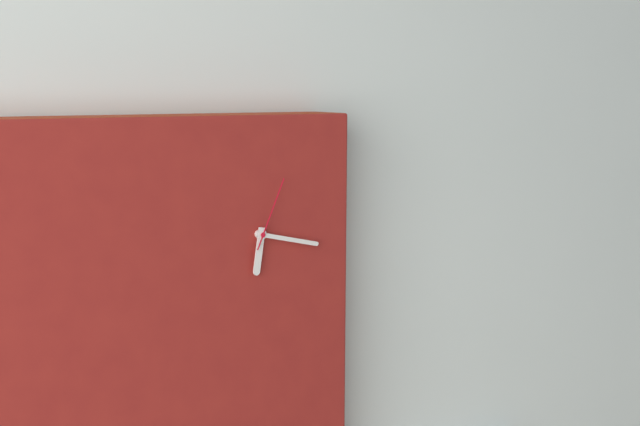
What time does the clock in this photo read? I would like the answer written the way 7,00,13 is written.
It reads 6,17,04
